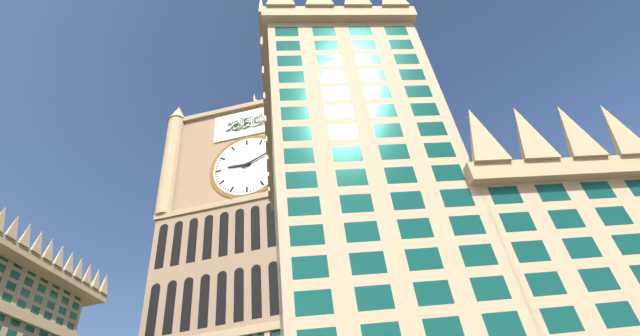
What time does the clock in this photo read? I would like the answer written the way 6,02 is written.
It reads 9,11
